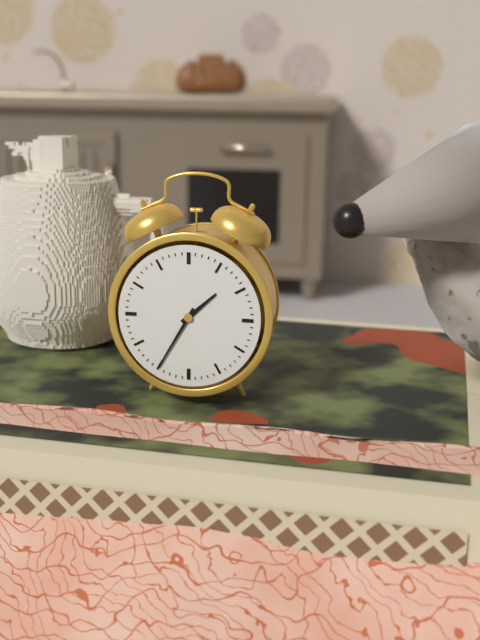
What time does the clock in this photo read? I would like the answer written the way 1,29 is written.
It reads 1,35
